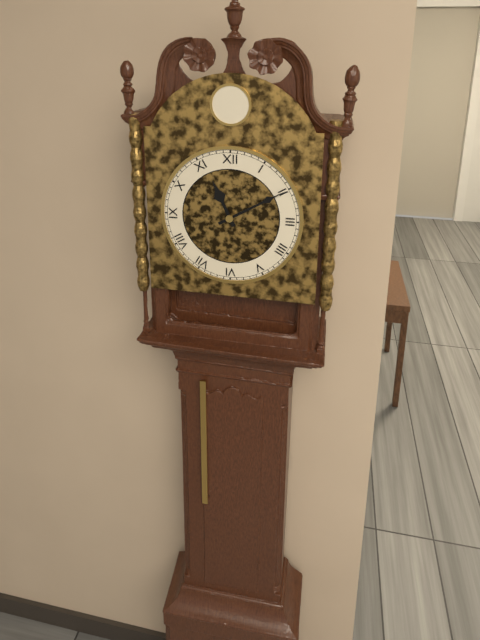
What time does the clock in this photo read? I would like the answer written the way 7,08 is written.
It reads 11,10
